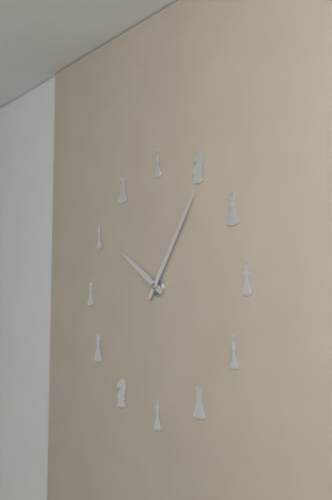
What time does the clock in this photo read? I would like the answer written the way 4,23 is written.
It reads 10,06
